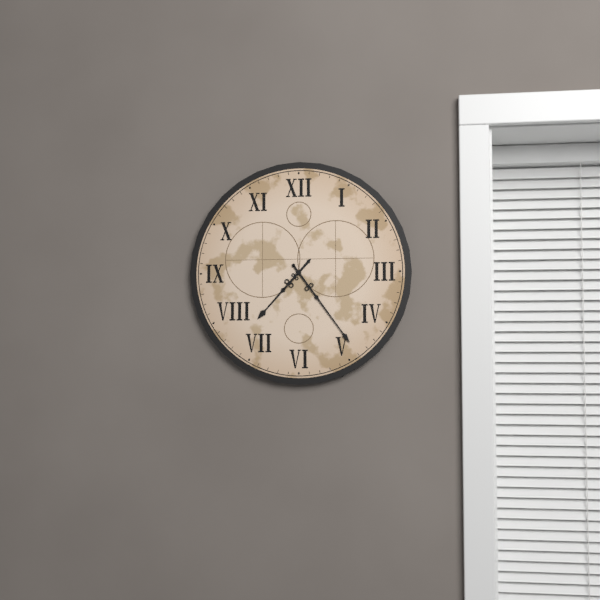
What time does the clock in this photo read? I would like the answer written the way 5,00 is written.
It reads 7,24
